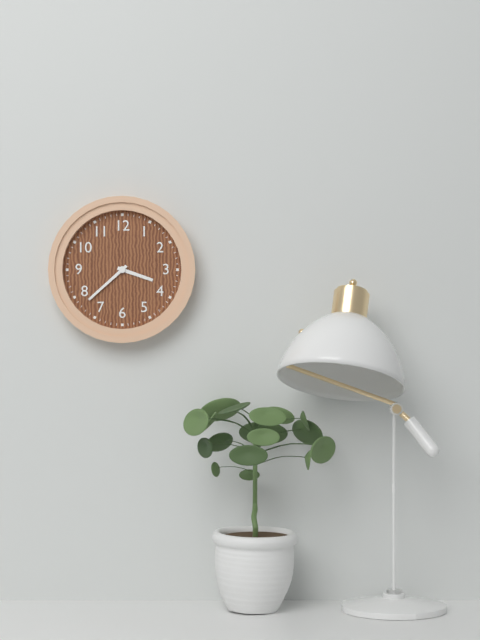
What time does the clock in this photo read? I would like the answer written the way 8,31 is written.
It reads 3,38
